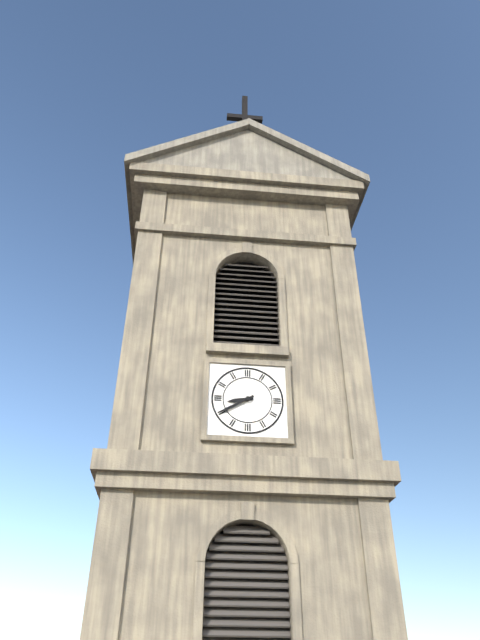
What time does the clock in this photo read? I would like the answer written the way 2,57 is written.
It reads 8,40
